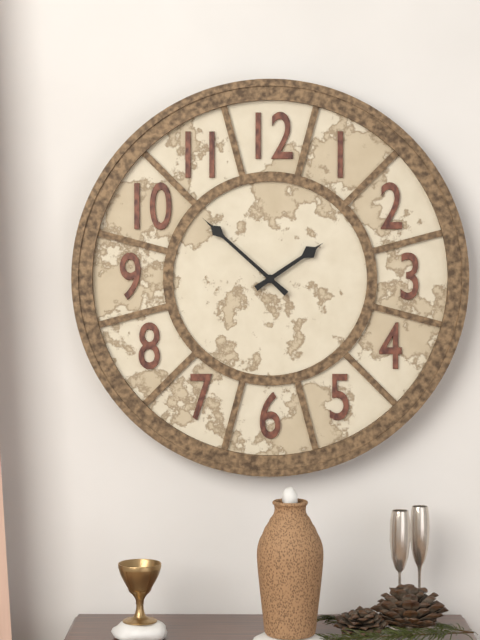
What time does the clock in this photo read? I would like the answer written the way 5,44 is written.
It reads 1,52
